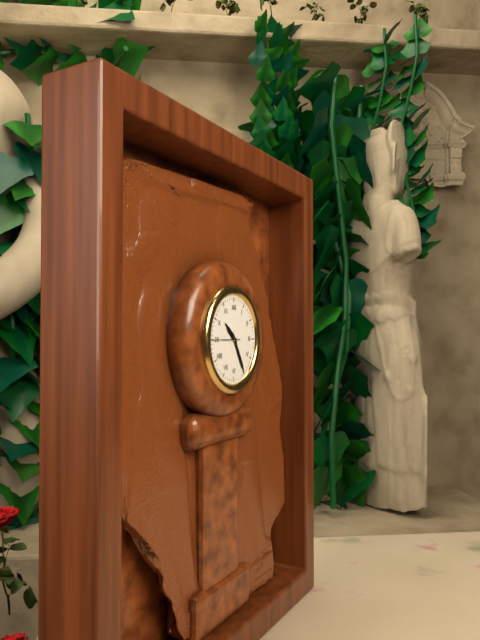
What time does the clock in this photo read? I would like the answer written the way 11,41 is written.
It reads 10,25
